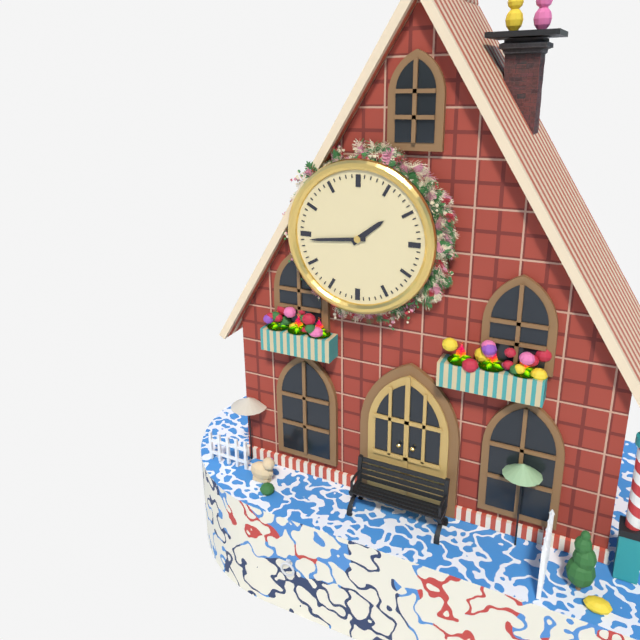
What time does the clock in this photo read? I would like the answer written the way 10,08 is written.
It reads 1,44
